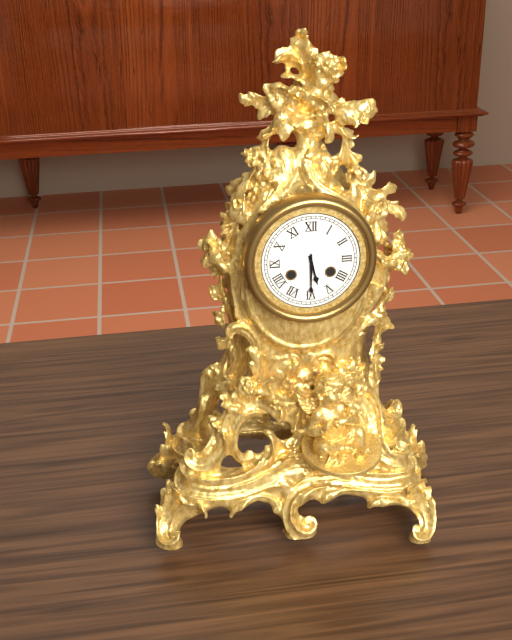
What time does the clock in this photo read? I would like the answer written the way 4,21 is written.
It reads 5,30
